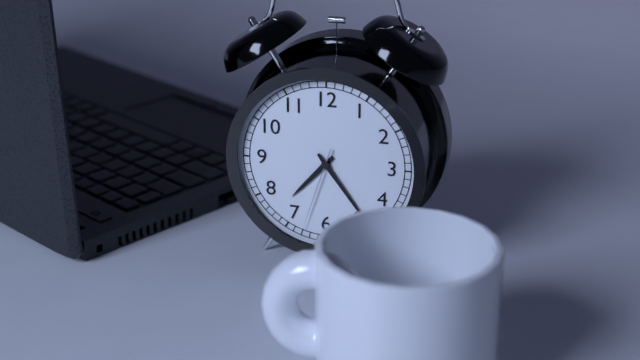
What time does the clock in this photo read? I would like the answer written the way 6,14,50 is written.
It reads 7,24,33
